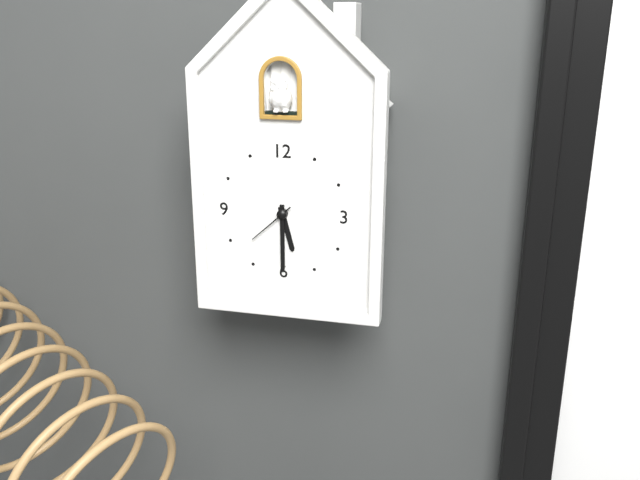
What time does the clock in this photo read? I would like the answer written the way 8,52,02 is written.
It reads 5,30,38
